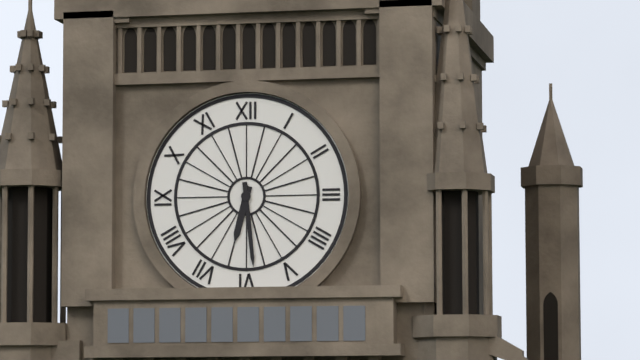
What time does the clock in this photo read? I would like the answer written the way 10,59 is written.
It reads 6,29
